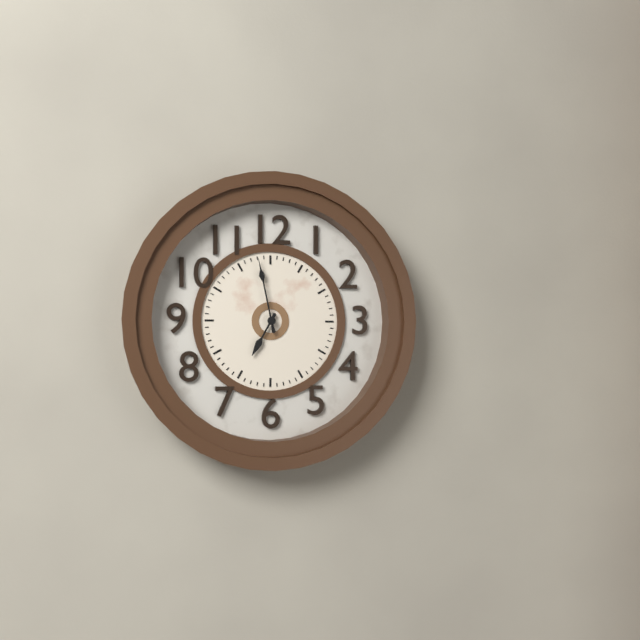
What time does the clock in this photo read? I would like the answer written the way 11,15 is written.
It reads 6,58
